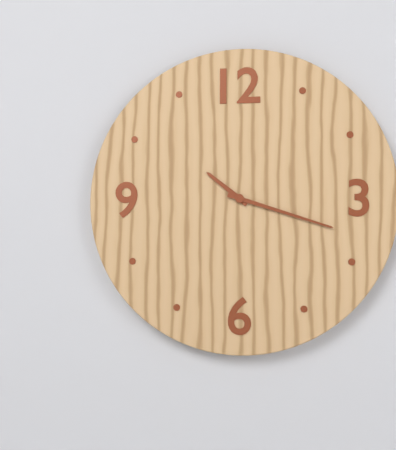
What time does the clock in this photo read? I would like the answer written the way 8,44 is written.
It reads 10,18
